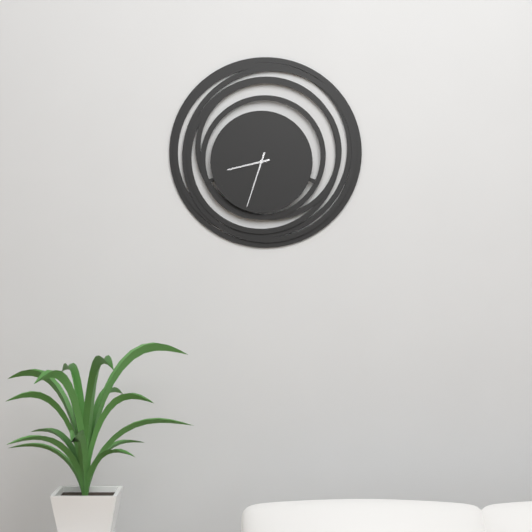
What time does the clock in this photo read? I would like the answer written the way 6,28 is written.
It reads 8,33
